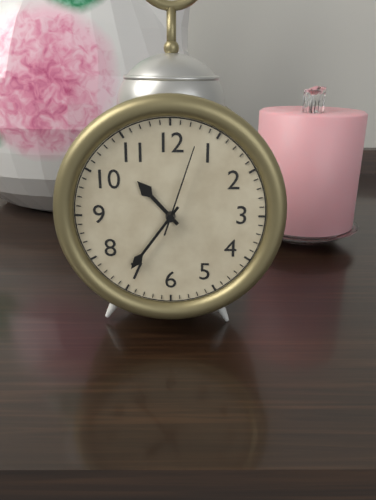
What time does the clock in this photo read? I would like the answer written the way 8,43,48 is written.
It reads 10,36,03
